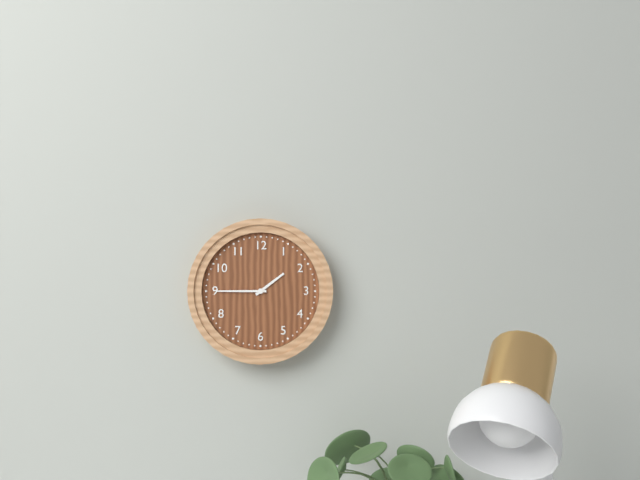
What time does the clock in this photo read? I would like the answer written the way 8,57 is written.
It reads 1,45
